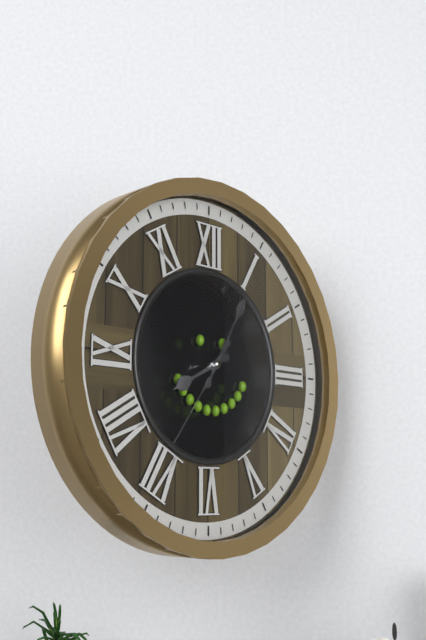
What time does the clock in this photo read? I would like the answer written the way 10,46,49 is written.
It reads 8,05,36
